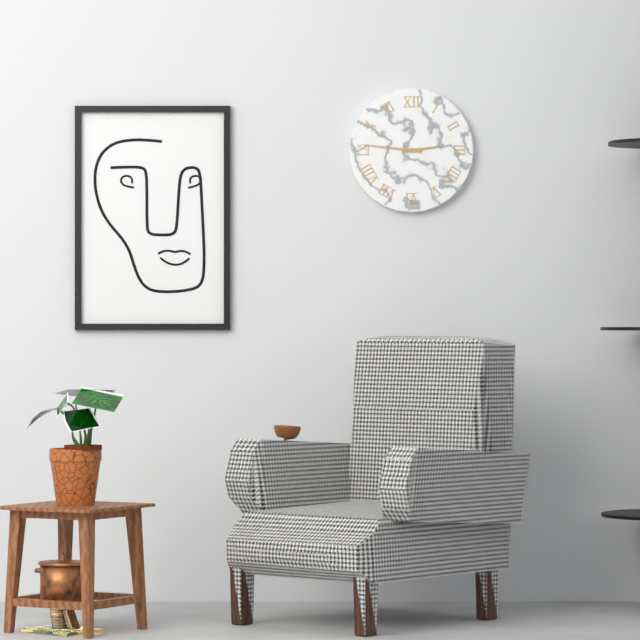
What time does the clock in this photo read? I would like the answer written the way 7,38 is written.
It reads 2,46
